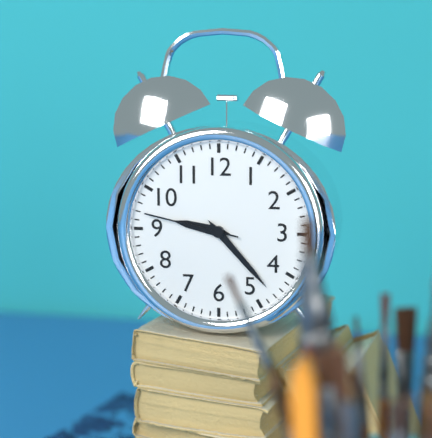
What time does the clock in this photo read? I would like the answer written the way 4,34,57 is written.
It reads 9,23,47
